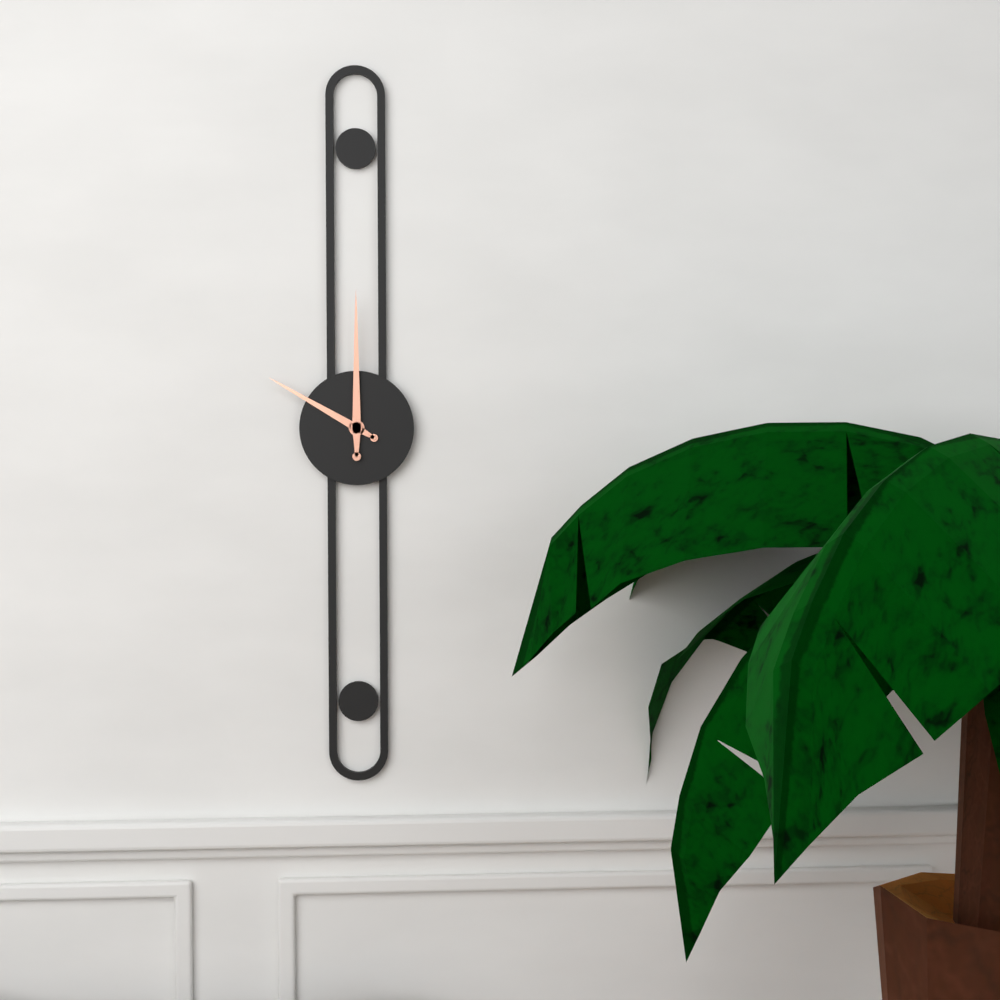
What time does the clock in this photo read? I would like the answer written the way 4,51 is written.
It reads 10,00
